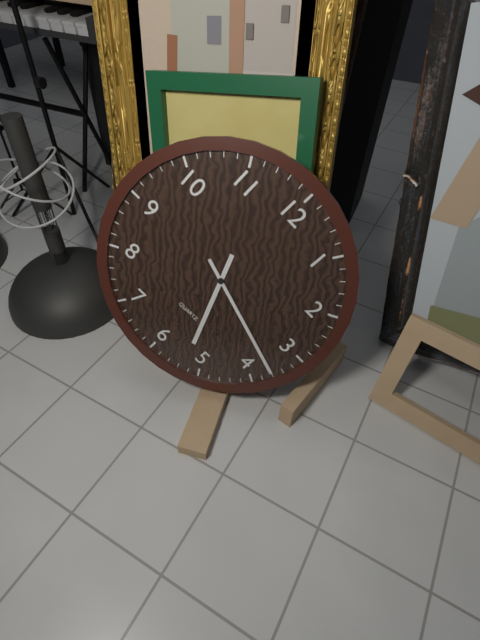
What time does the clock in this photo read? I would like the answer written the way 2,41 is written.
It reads 5,18
